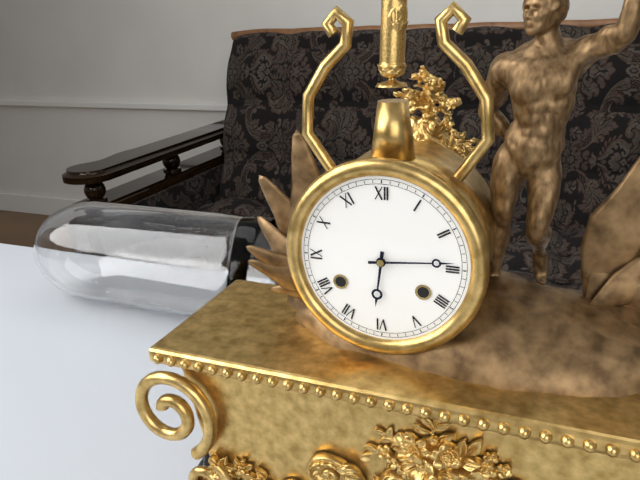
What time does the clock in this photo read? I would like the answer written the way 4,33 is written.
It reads 6,14
